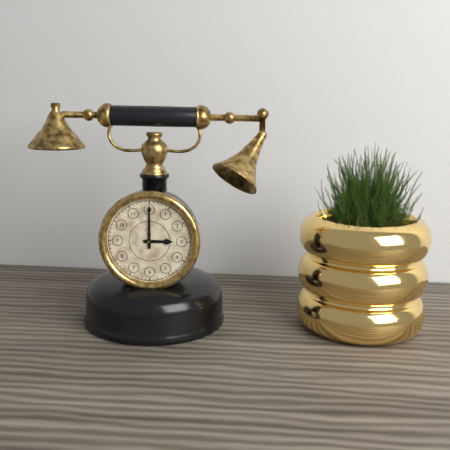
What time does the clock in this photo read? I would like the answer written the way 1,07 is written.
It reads 3,00
